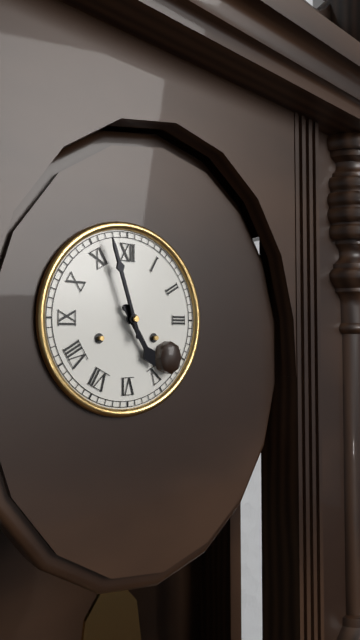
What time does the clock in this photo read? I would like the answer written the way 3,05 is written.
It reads 4,57
